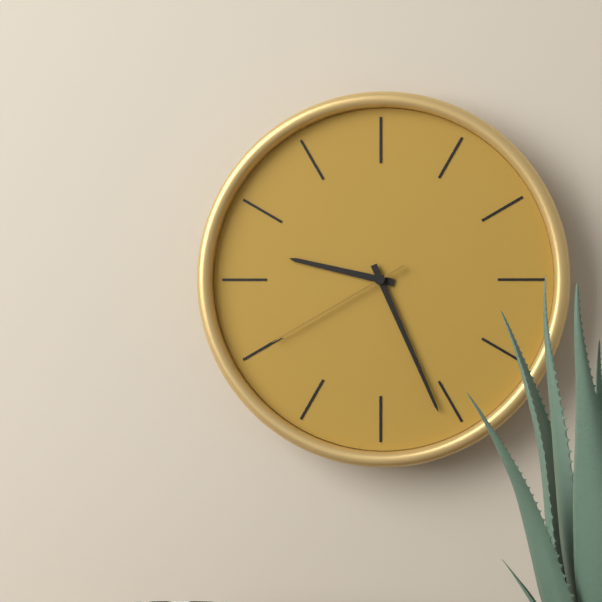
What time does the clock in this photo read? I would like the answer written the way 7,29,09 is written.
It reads 9,26,40
